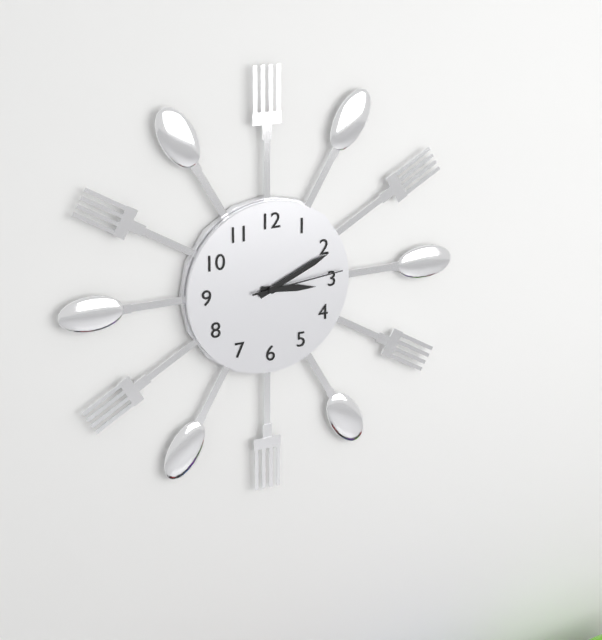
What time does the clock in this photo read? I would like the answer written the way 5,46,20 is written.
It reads 3,11,14
